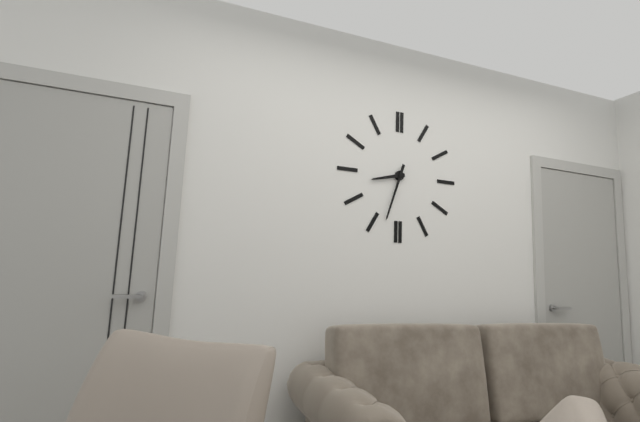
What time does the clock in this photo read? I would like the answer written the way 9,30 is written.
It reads 8,33
